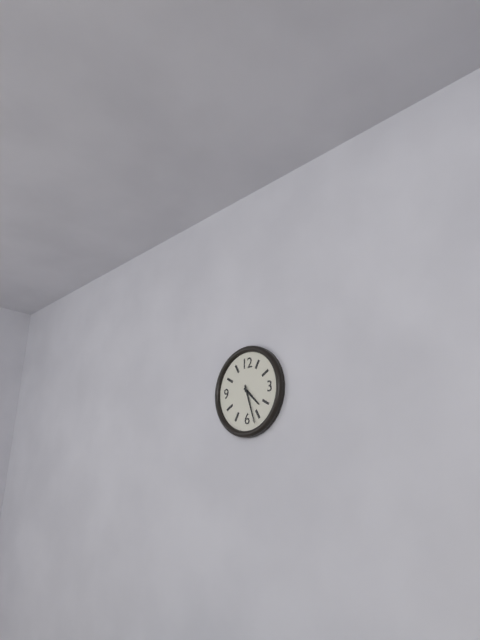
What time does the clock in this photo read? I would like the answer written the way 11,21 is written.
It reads 4,27
